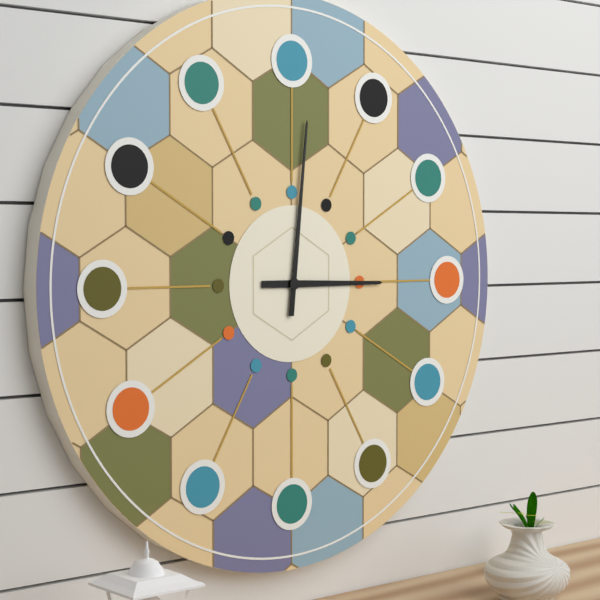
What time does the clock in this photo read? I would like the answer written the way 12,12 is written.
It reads 3,01
